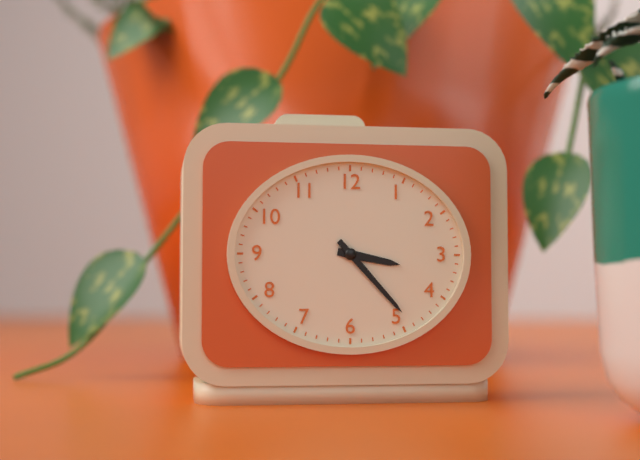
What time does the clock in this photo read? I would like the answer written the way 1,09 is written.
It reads 3,23
